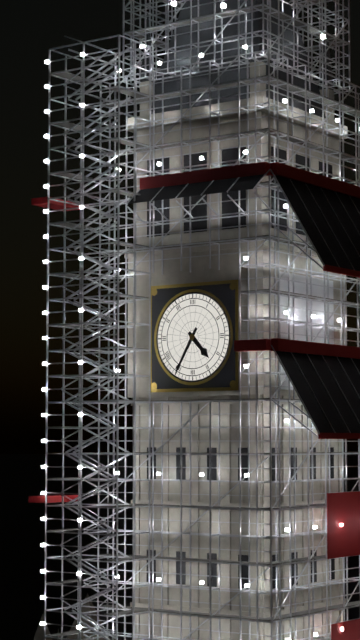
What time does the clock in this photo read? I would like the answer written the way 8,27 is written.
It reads 4,35
